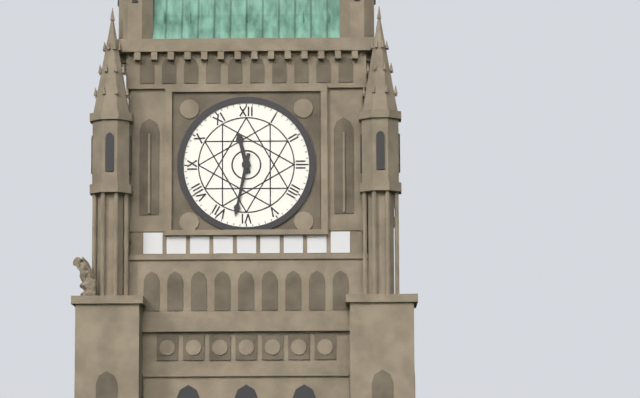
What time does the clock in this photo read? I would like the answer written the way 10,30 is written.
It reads 11,32
